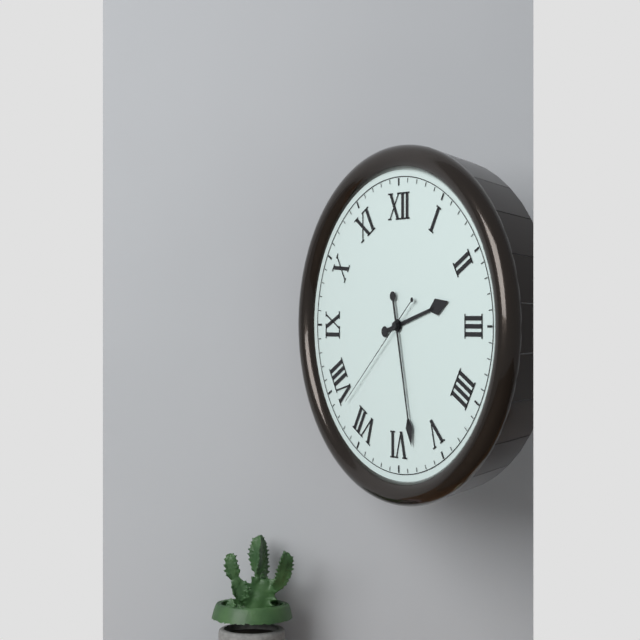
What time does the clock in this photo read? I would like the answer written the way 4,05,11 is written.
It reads 2,28,38
